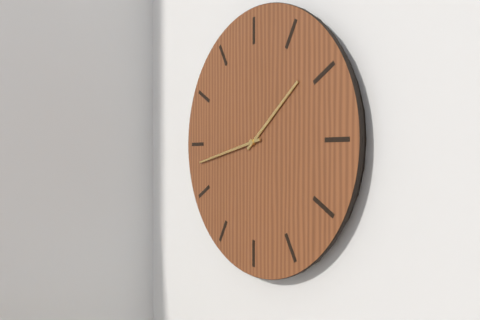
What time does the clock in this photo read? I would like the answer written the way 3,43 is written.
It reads 1,43
